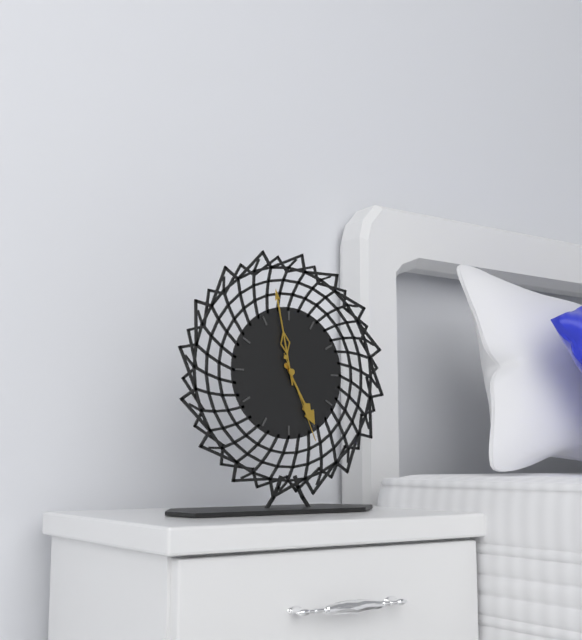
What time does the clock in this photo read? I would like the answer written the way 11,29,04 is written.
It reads 4,58,26
